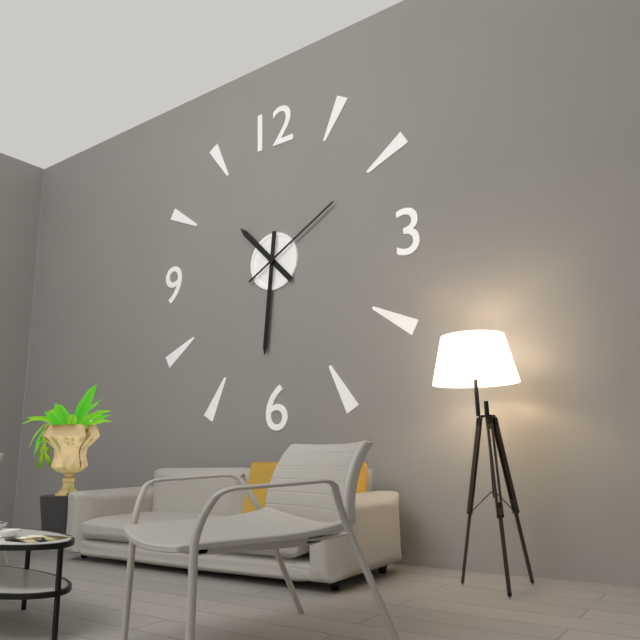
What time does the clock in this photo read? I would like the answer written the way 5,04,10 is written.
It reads 10,31,10
